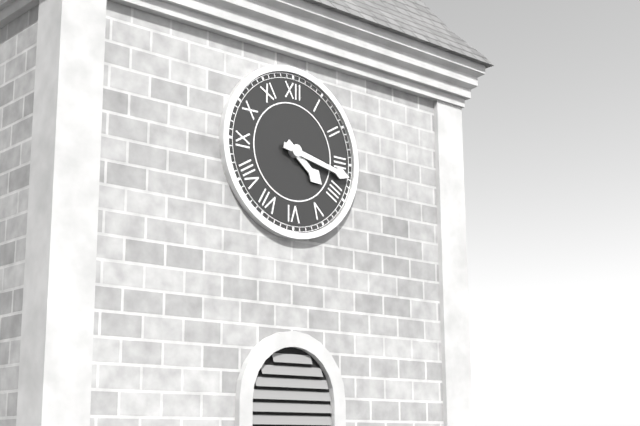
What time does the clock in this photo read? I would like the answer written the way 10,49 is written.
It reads 4,17
